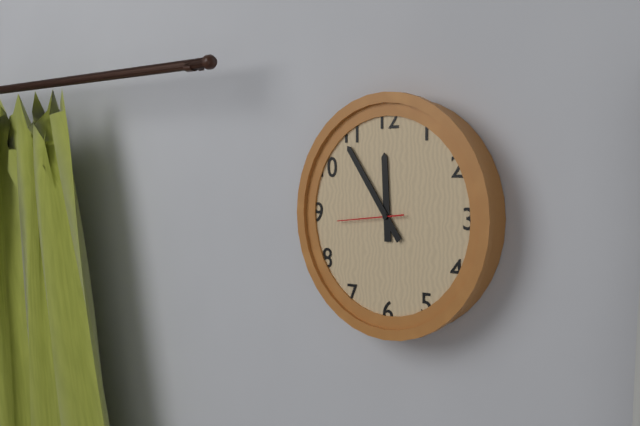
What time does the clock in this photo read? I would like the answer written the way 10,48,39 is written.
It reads 11,54,44
